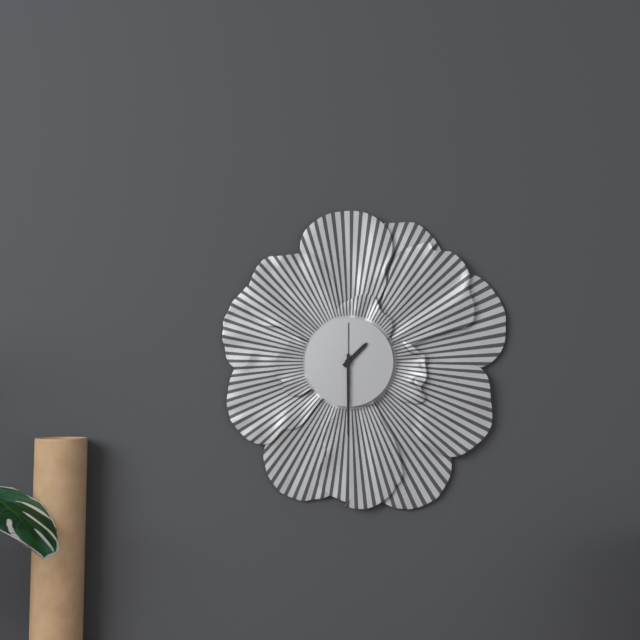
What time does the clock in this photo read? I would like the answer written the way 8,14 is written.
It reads 1,30
